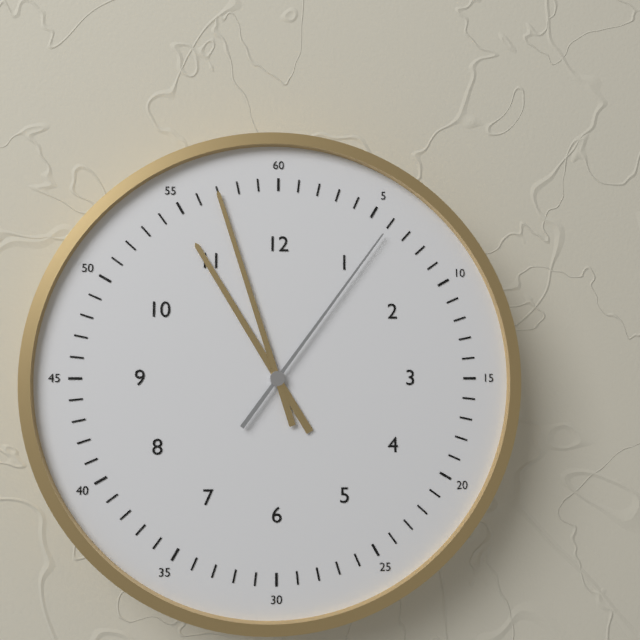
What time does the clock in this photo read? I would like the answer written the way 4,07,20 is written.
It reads 10,57,06
